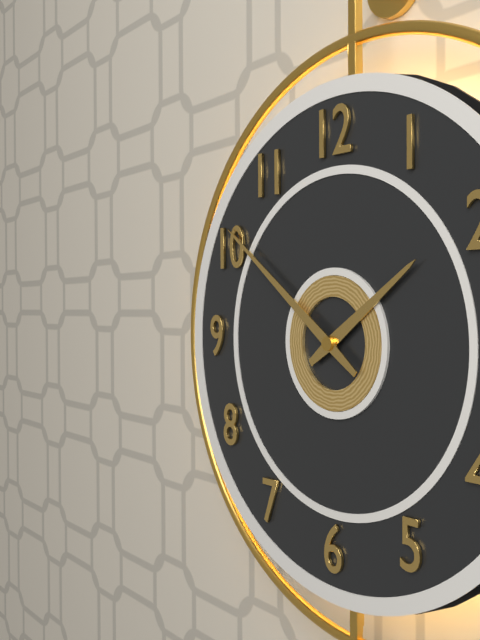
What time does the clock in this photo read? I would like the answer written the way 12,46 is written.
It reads 1,51
